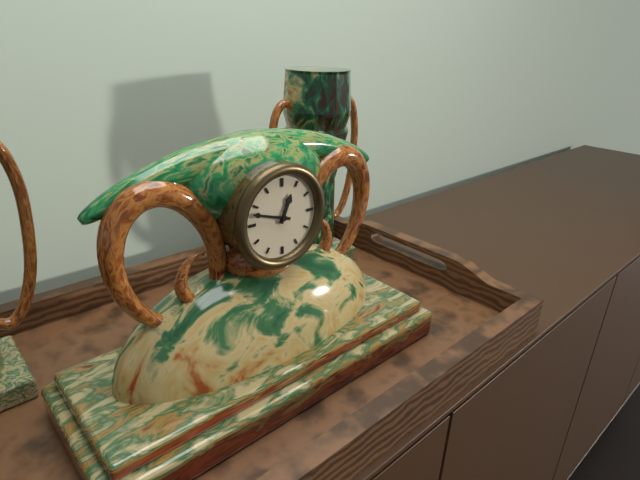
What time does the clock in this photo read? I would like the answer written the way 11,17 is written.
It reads 12,48
